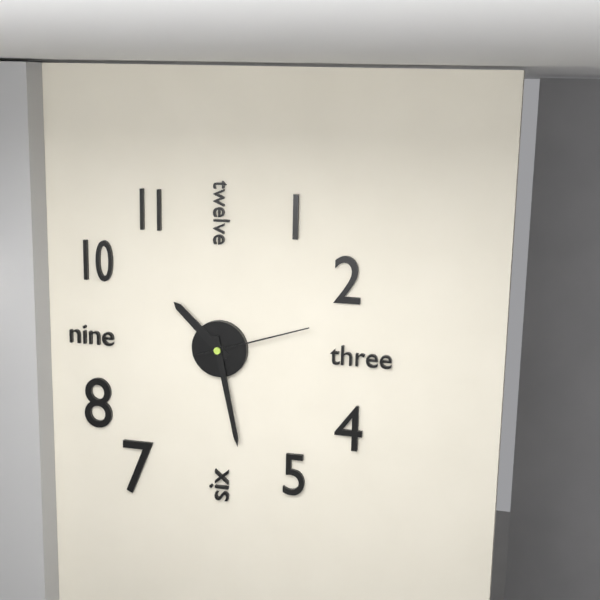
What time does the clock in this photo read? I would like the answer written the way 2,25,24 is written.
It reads 10,28,12
